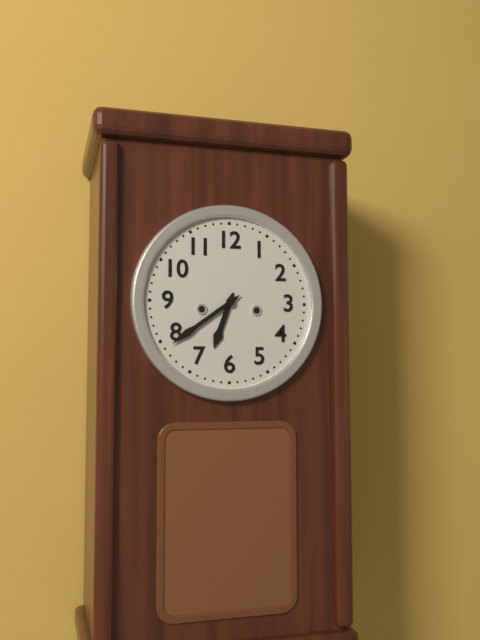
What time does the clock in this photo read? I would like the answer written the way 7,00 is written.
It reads 6,39
